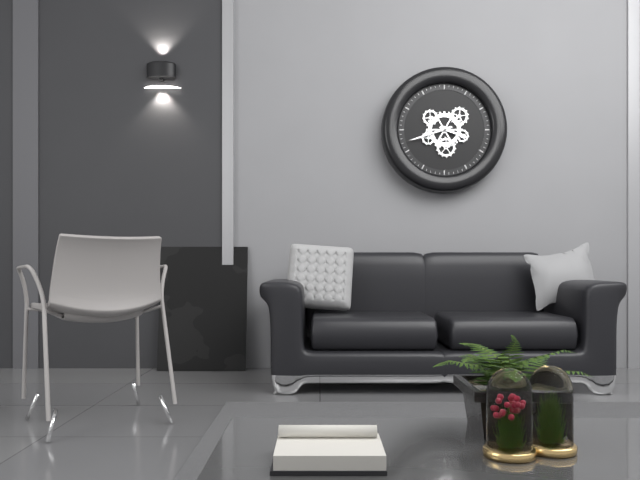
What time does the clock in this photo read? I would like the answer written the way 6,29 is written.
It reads 3,42
